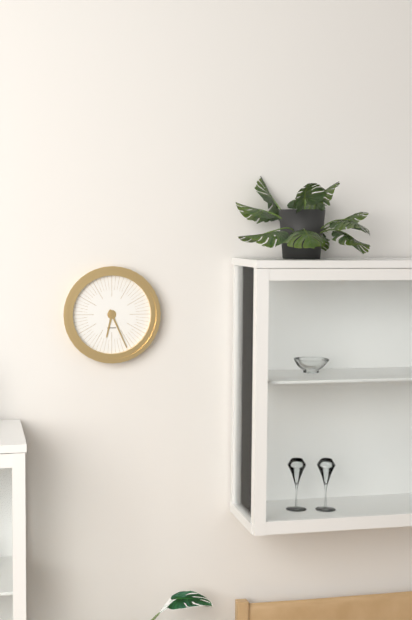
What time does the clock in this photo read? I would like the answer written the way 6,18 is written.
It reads 6,26
